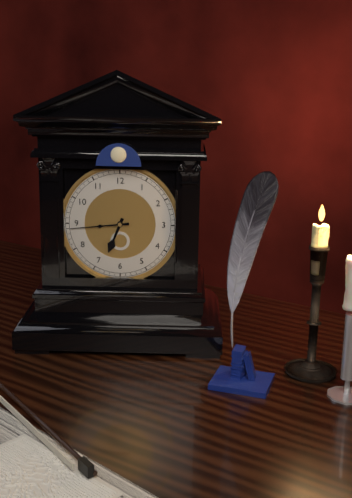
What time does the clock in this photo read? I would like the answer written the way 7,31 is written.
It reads 6,44
